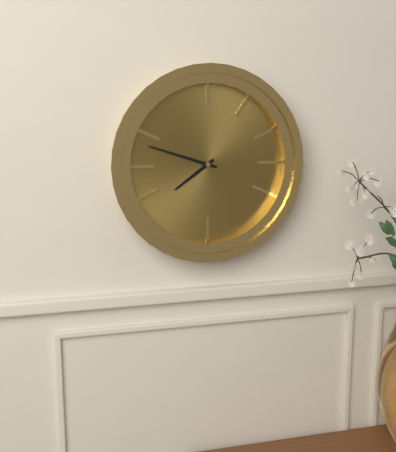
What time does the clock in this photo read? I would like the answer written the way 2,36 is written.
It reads 7,48
